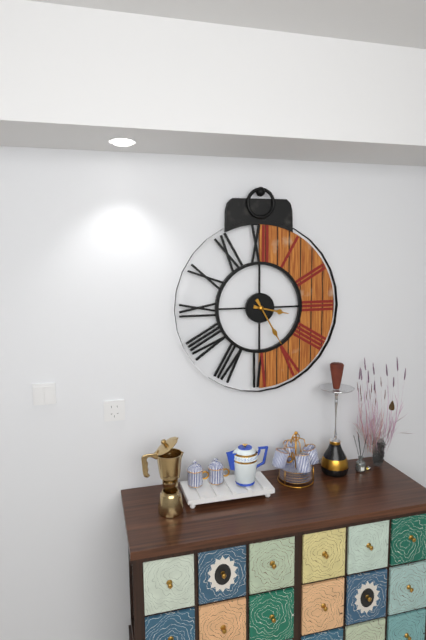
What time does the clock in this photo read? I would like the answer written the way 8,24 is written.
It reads 3,25
